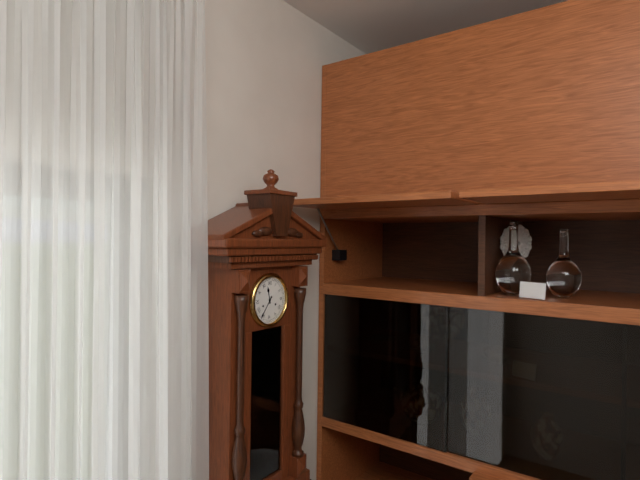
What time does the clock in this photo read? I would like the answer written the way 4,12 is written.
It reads 11,36
